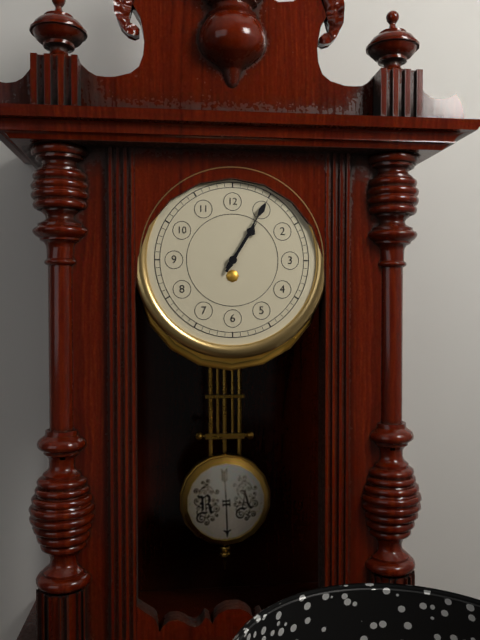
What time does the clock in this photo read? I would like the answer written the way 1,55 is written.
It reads 1,05
